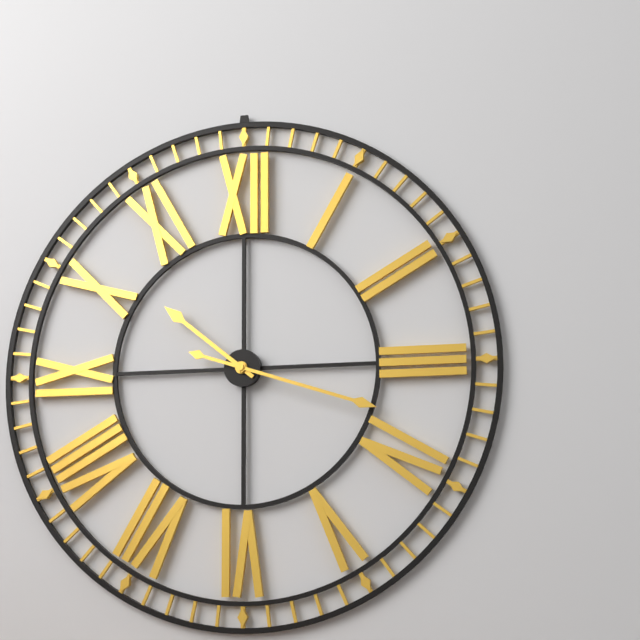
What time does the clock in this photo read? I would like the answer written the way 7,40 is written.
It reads 10,18
